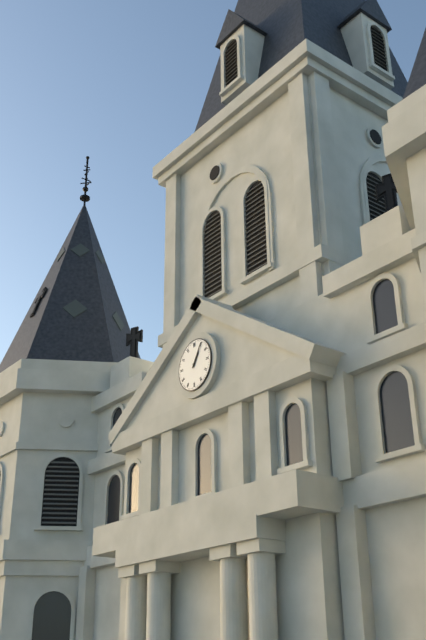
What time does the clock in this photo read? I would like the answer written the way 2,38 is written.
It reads 1,05
